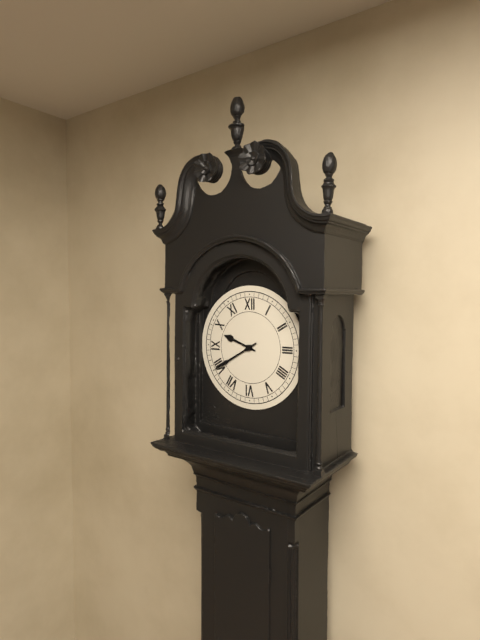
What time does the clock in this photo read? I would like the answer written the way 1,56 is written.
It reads 9,40
